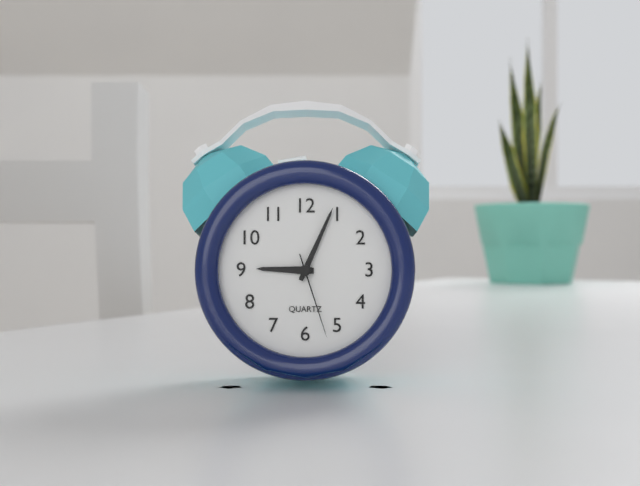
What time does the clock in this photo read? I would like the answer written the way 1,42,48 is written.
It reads 9,04,27
